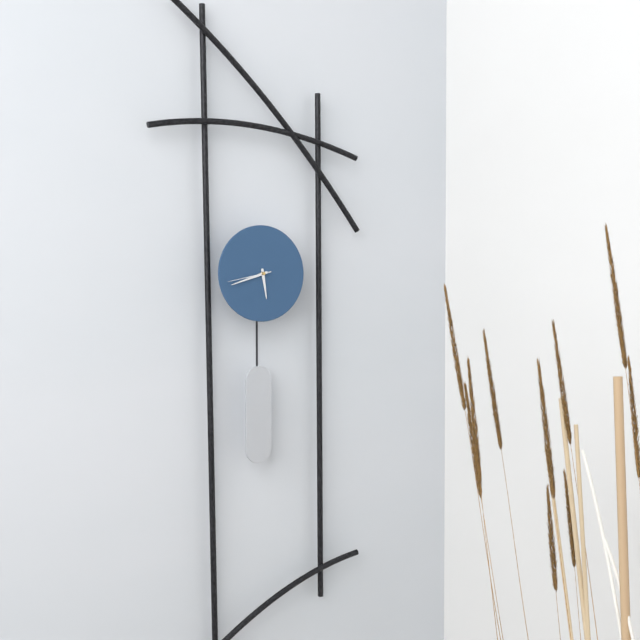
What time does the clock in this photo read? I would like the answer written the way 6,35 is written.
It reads 5,42
